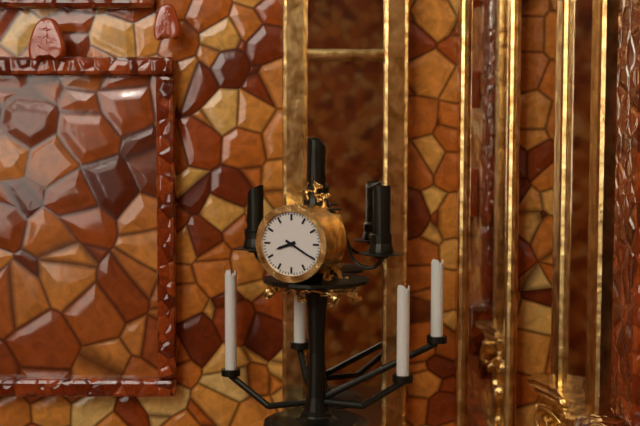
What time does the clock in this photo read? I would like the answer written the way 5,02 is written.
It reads 8,20
